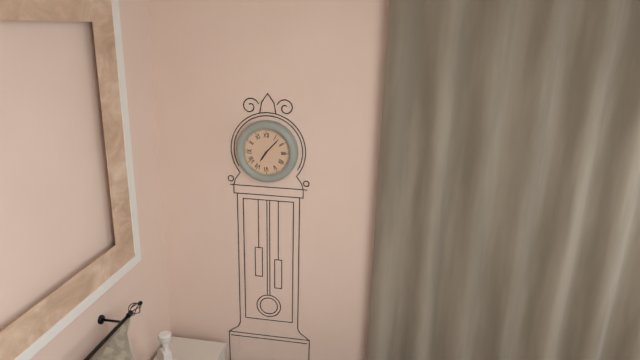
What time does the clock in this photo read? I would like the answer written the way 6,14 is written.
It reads 7,07
